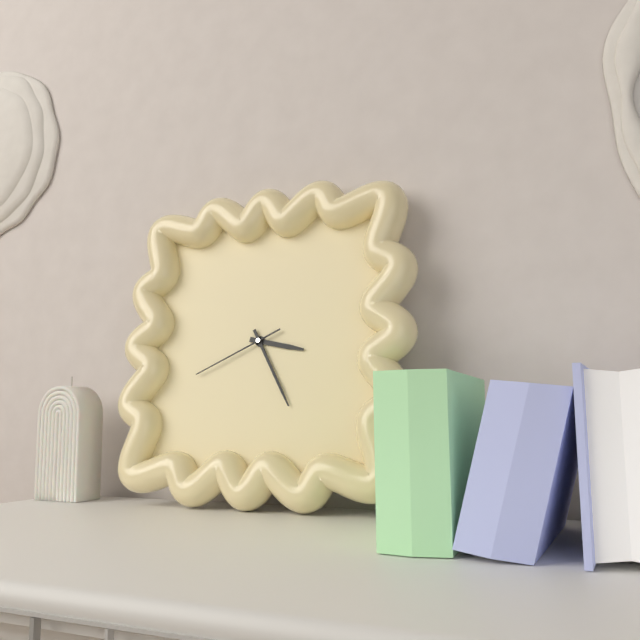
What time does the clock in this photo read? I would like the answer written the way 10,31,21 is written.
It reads 3,25,41
